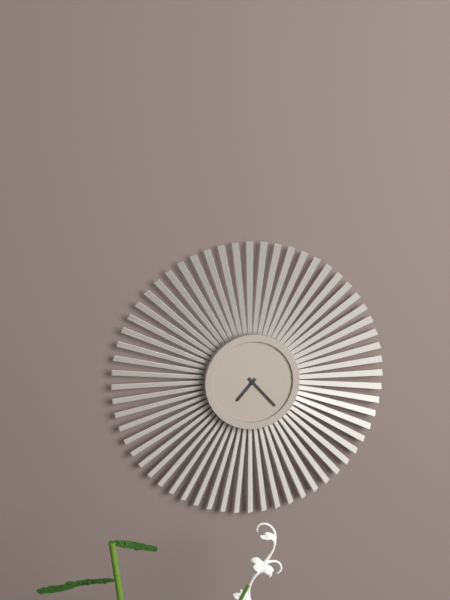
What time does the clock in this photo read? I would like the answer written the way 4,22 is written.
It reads 7,23
